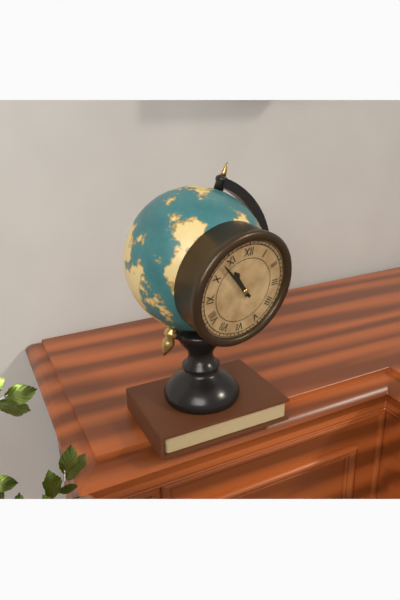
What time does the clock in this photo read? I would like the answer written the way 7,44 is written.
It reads 10,53
